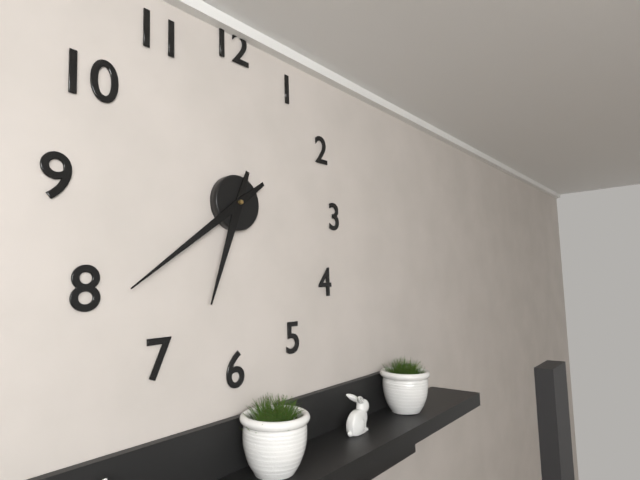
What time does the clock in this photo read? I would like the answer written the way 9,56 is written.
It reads 6,39
